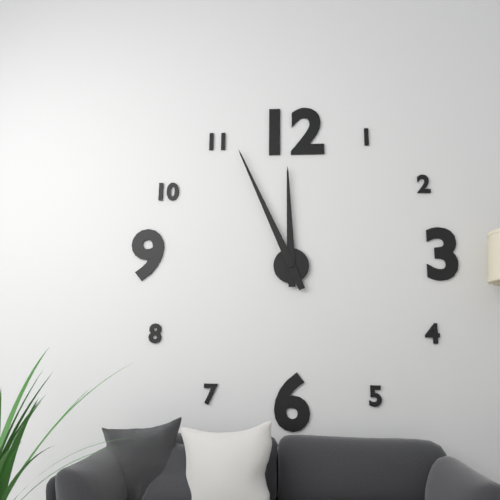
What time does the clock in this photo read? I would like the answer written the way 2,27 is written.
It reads 11,56
